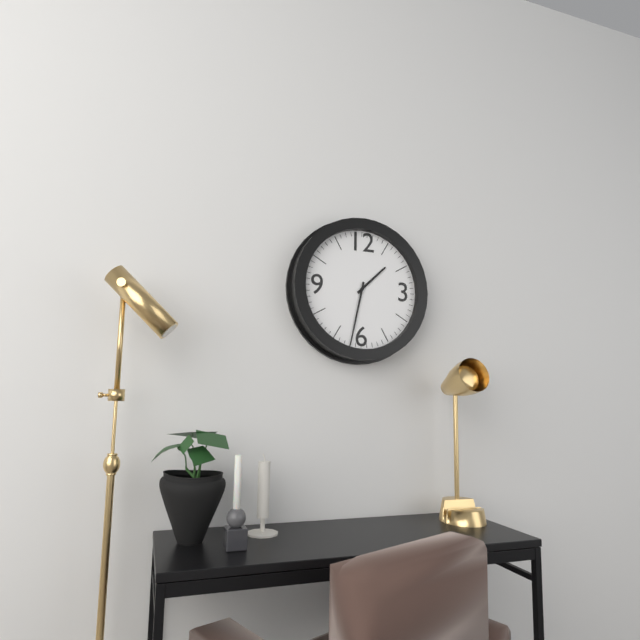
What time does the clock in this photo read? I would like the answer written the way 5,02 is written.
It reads 1,32
